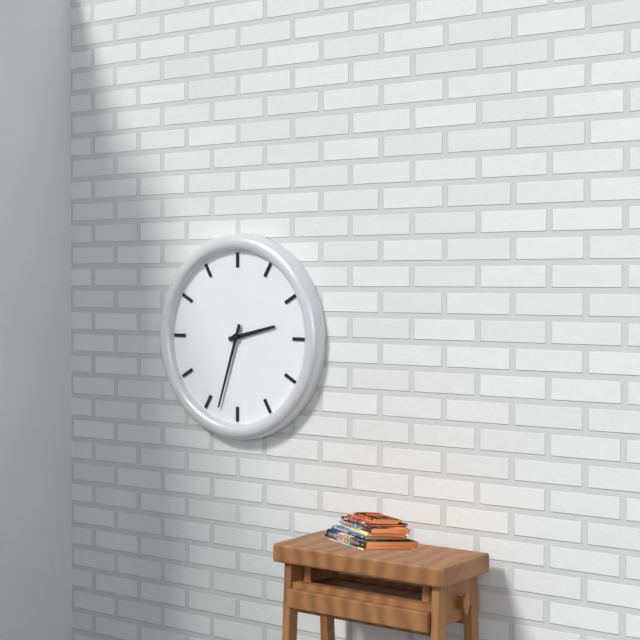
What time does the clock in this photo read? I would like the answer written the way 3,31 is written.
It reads 2,33
